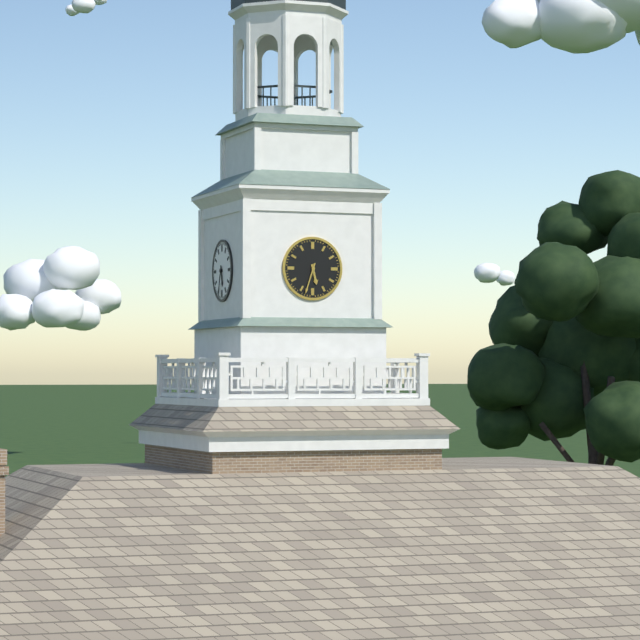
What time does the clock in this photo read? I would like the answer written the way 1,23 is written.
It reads 5,33
